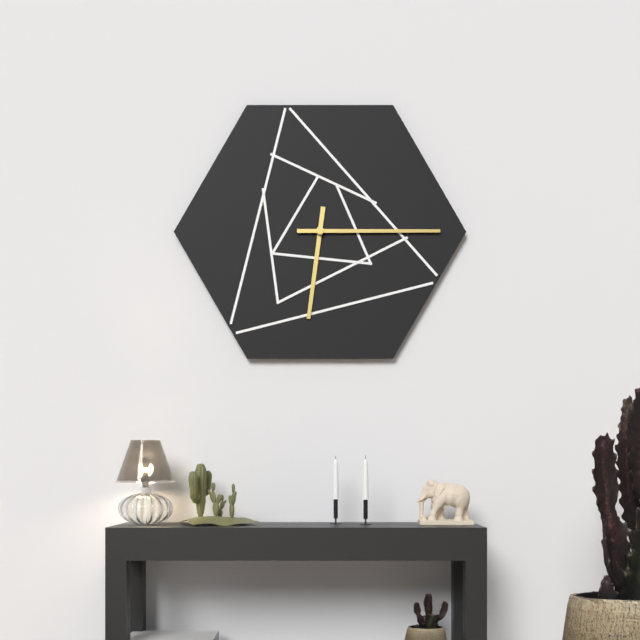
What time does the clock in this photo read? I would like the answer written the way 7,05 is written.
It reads 6,15
